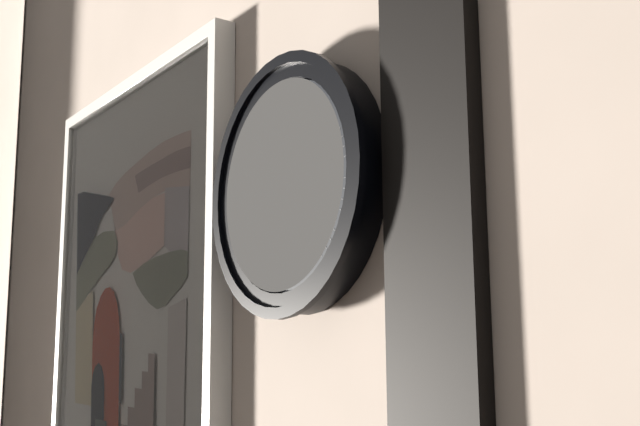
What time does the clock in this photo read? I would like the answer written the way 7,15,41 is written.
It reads 11,53,40
